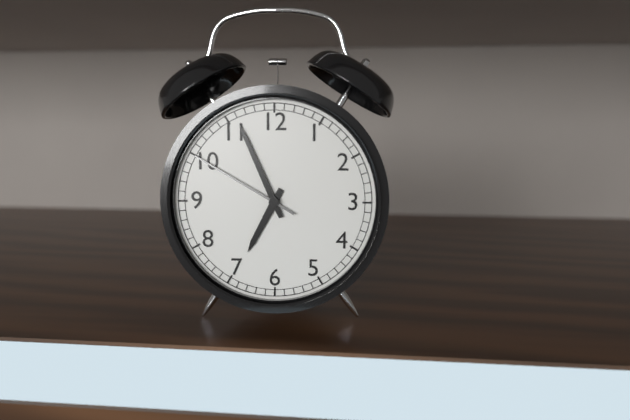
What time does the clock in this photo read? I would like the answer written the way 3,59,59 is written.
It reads 6,56,50
